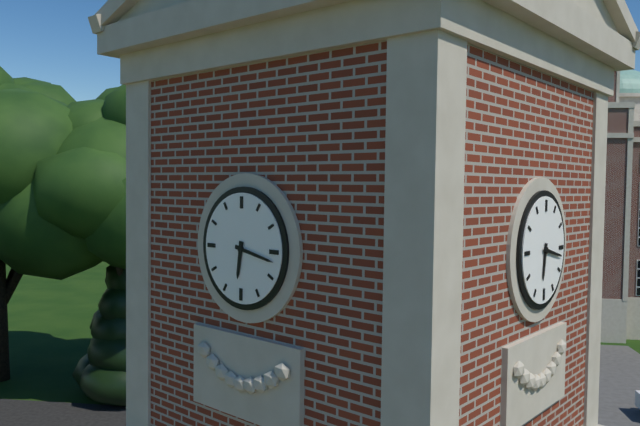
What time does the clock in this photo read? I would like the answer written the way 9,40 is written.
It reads 6,17
